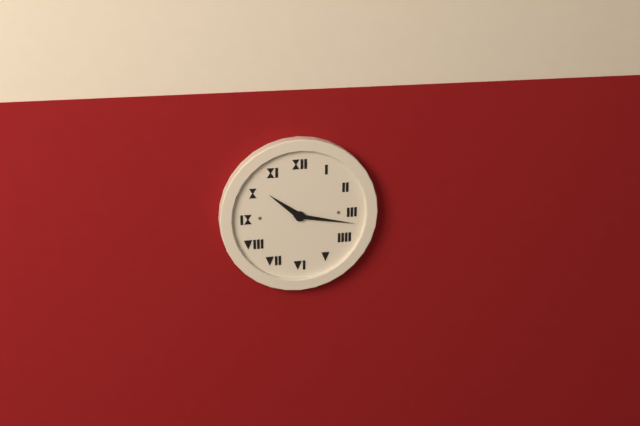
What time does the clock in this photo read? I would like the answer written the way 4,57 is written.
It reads 10,17
